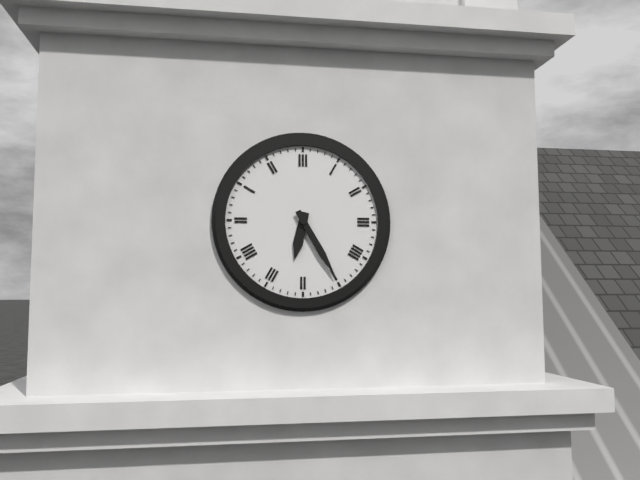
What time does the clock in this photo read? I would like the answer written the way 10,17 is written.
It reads 6,25
